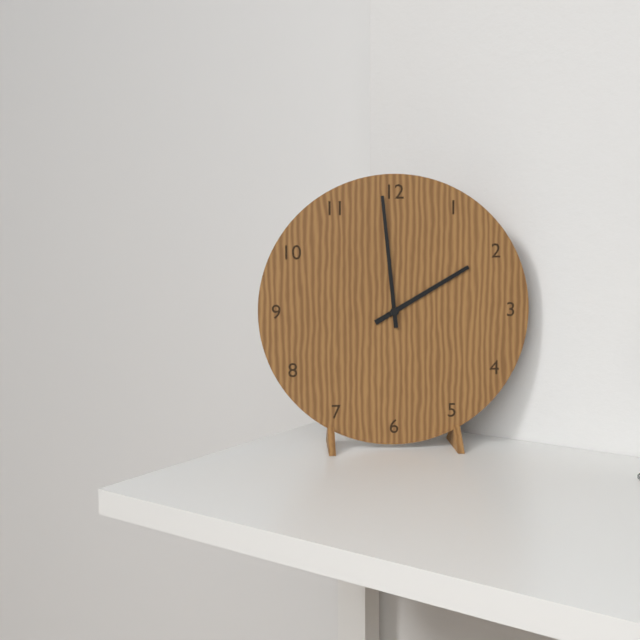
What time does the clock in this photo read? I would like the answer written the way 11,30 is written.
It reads 1,59
